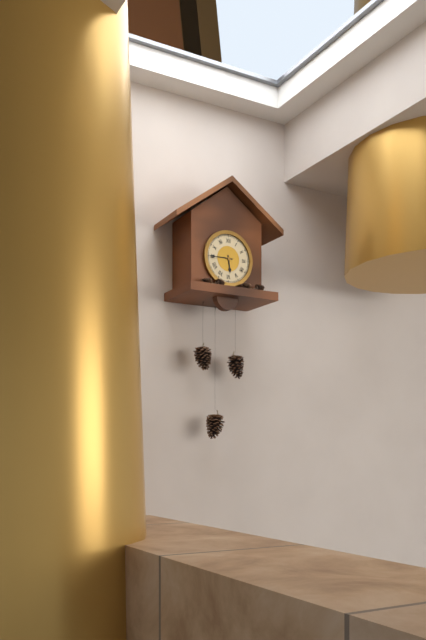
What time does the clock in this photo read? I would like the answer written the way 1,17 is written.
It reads 5,45
